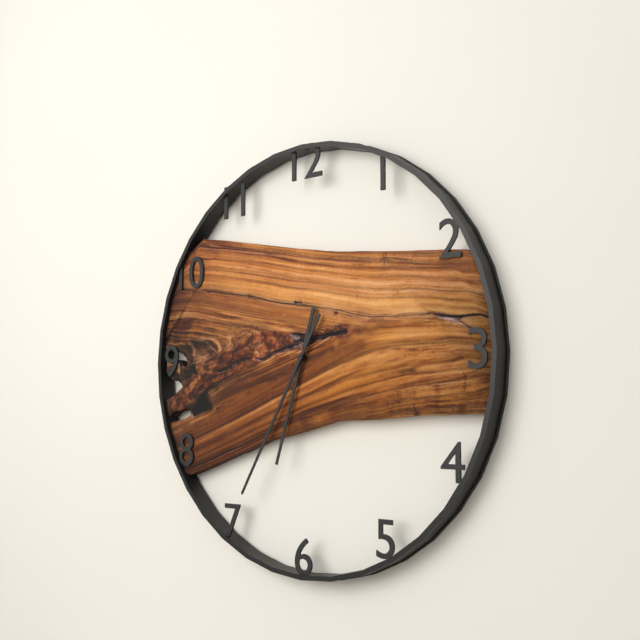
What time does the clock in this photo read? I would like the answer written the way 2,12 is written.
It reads 6,35
